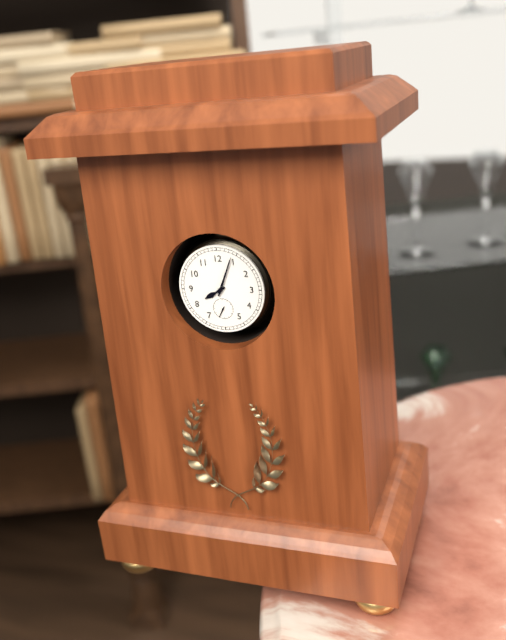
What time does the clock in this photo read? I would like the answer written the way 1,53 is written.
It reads 8,04
